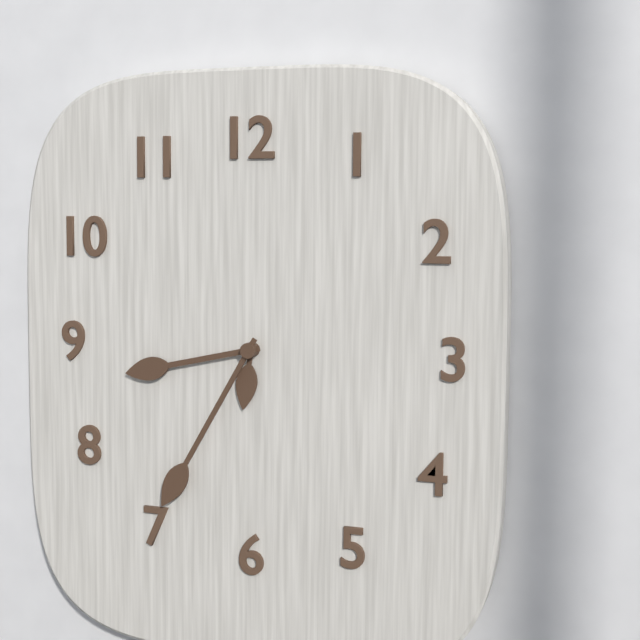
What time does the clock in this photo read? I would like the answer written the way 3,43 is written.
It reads 8,35
